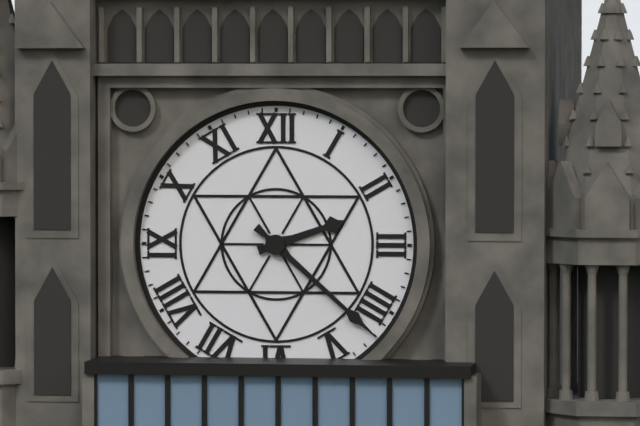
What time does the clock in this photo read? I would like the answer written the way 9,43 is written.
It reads 2,22
